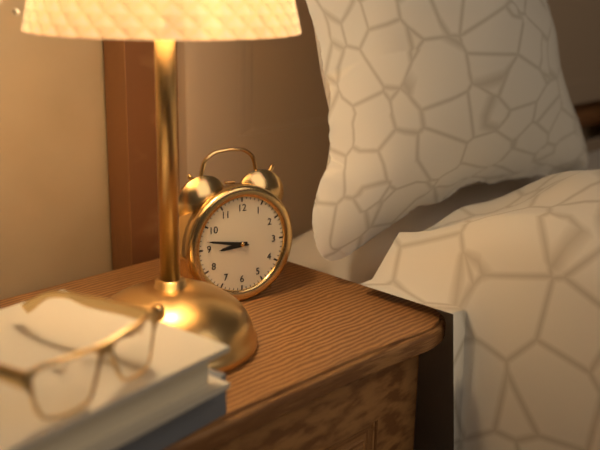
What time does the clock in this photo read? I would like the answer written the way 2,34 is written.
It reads 8,47
